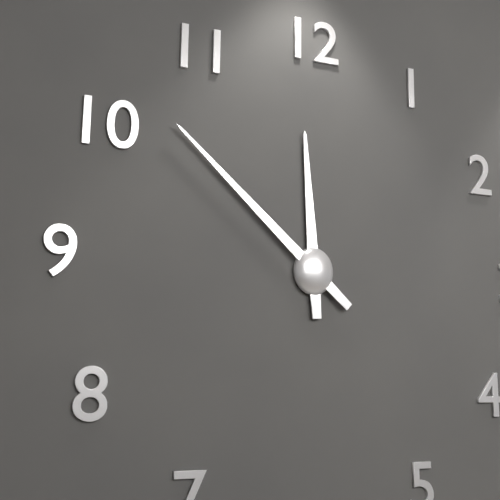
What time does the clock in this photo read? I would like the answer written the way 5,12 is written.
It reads 11,52
